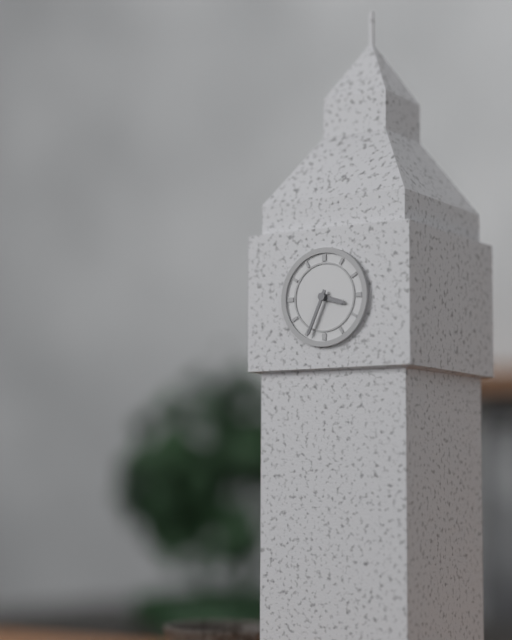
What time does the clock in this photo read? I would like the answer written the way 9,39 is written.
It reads 3,34
